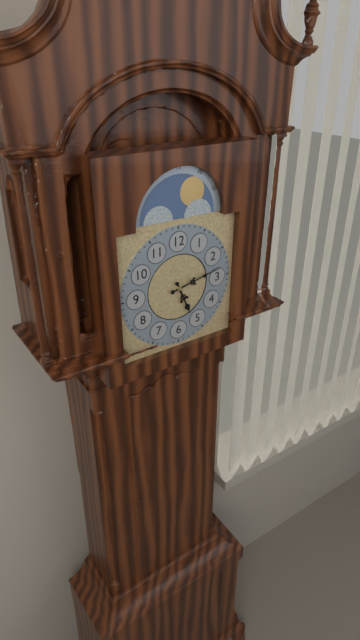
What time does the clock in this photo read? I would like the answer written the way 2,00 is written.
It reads 5,13
